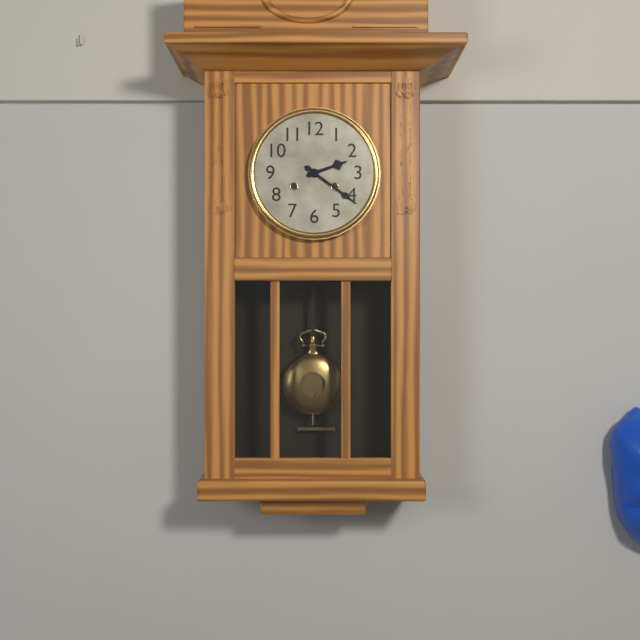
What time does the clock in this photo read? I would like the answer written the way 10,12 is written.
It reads 2,21
